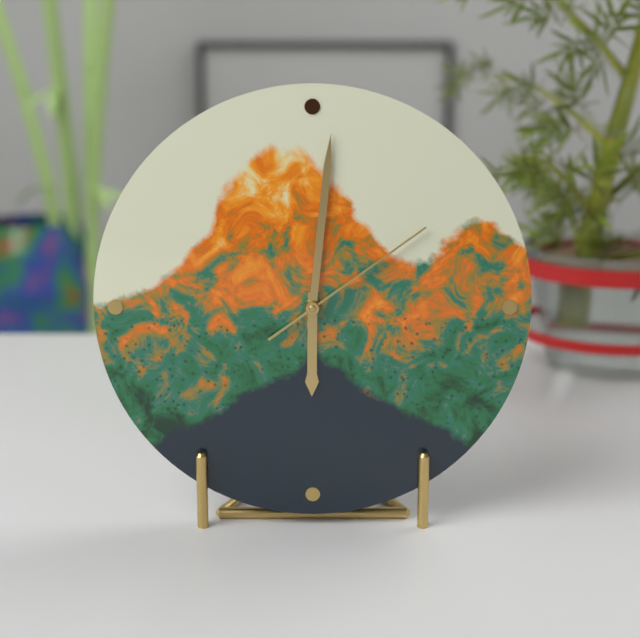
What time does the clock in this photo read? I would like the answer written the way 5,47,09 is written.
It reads 6,01,09
